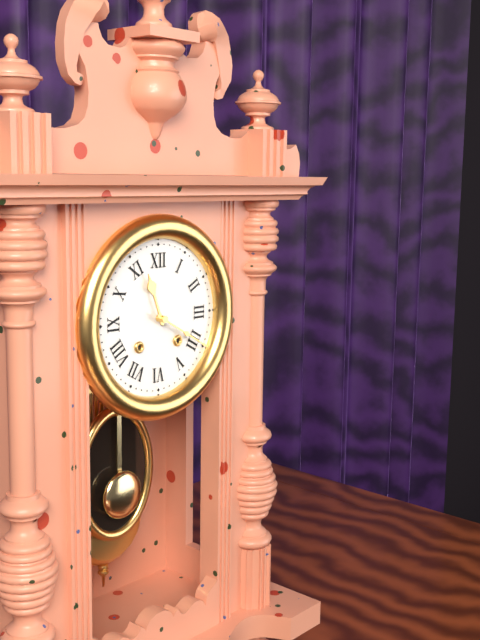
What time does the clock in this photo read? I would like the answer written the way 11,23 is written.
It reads 11,20
